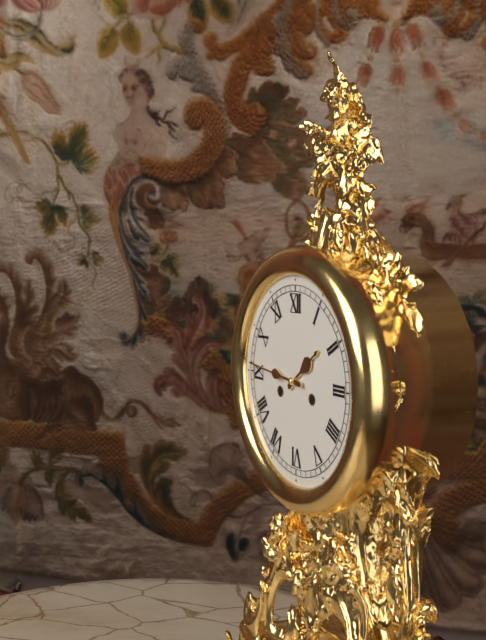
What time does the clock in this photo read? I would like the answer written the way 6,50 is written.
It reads 1,46
